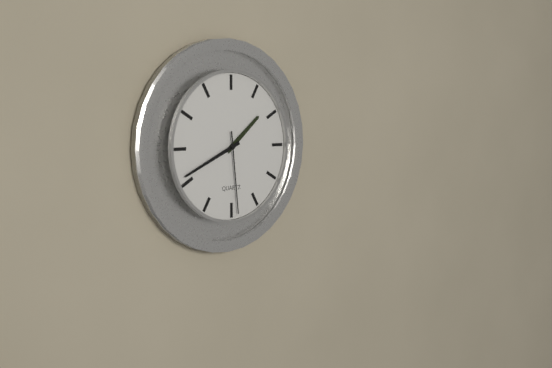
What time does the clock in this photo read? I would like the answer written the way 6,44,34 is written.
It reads 1,41,29
